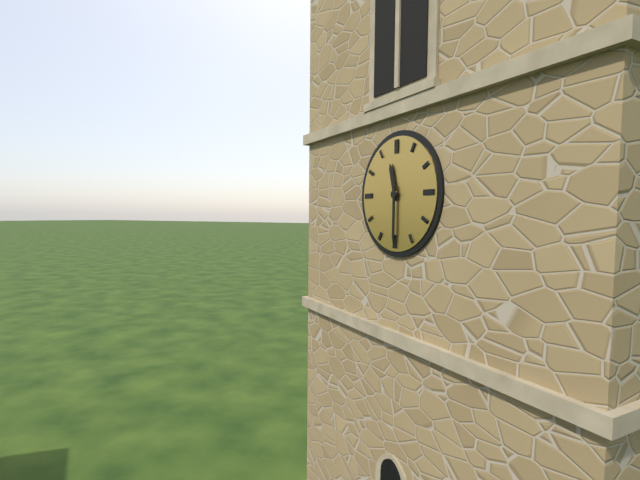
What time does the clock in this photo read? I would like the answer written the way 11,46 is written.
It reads 11,30
